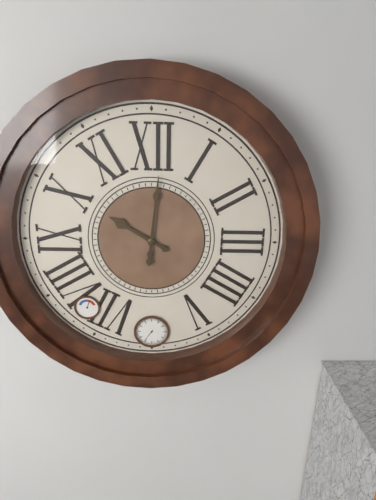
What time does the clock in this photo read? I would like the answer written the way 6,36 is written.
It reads 10,01
